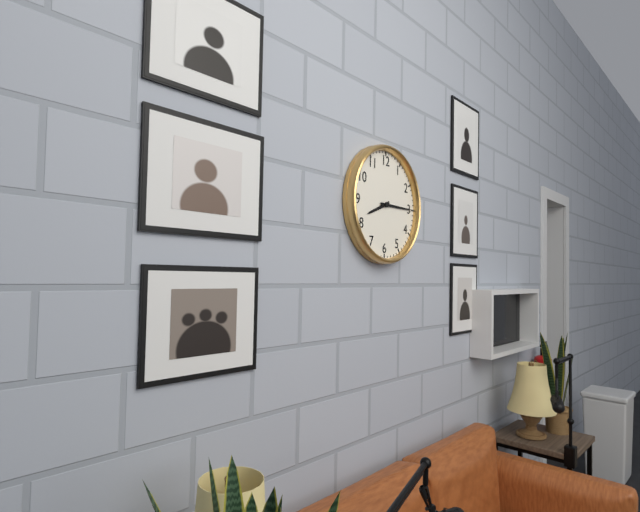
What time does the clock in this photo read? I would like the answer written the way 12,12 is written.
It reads 8,15
